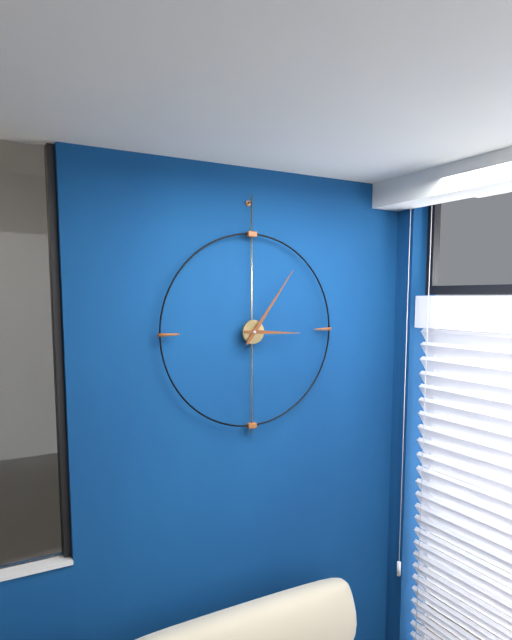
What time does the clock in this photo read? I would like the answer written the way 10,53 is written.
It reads 3,06
